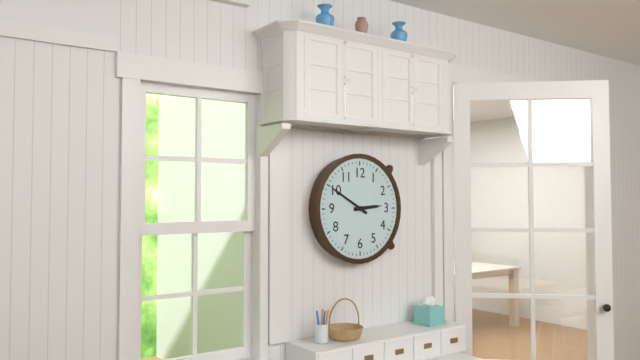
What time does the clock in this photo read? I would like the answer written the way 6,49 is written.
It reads 2,50
